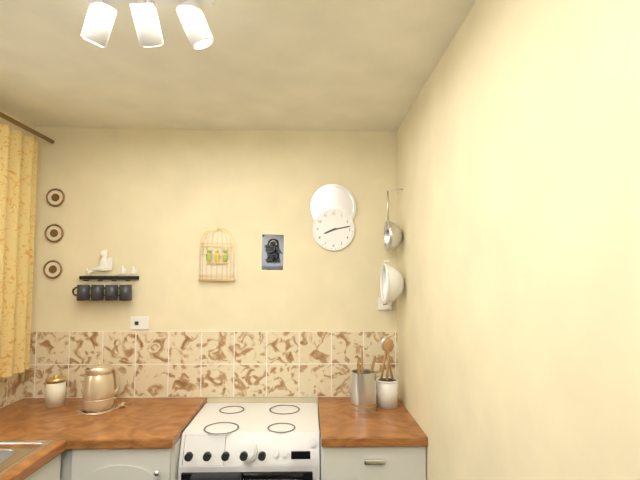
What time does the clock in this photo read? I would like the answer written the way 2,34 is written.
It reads 8,13
